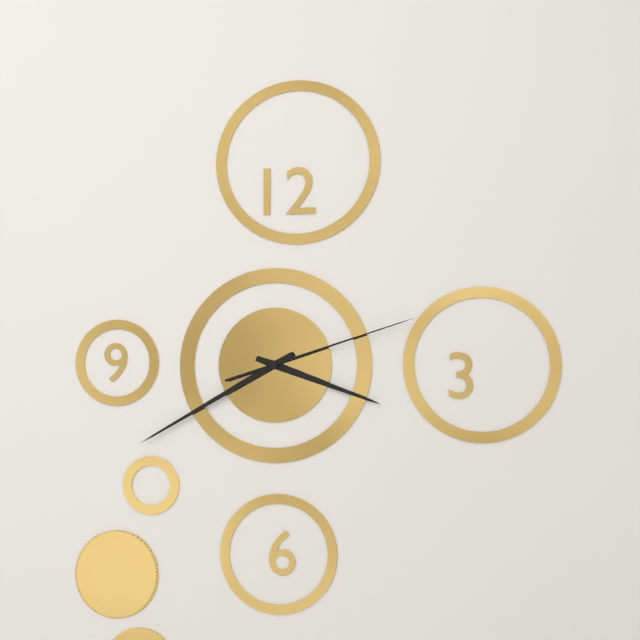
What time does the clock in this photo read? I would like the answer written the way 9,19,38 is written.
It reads 3,40,12
